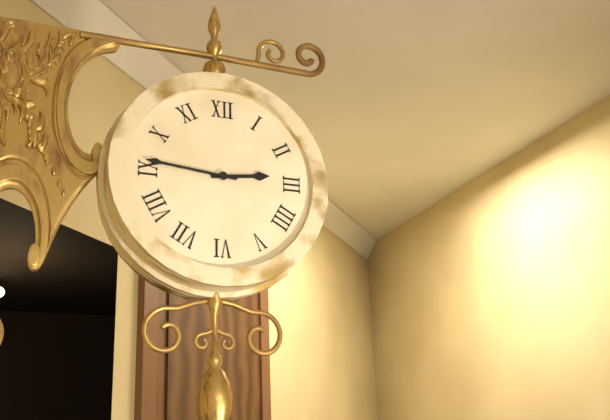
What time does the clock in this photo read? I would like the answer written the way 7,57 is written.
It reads 2,46
